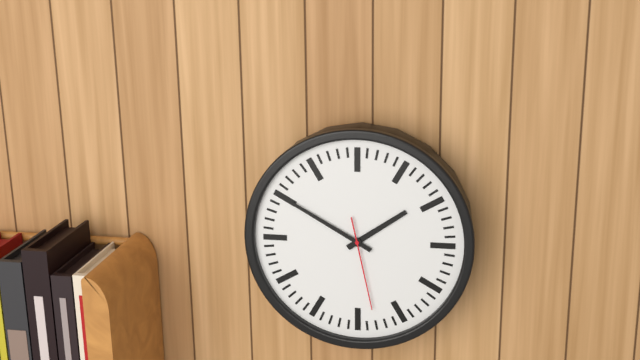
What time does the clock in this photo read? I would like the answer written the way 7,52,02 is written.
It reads 1,50,28
